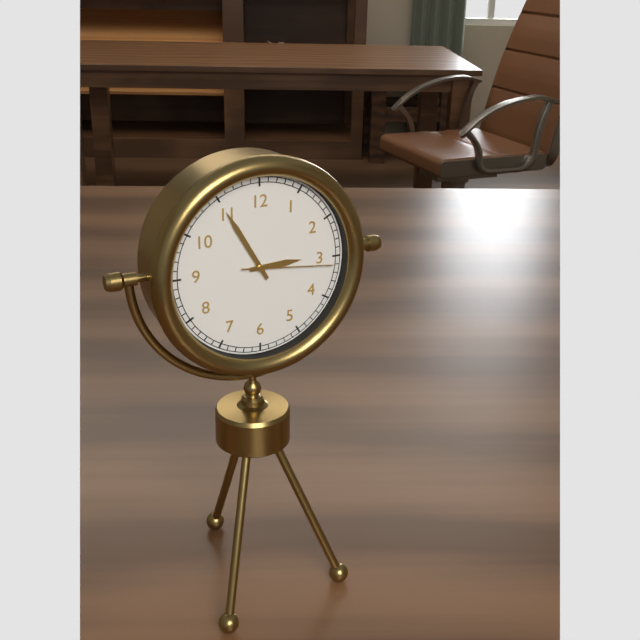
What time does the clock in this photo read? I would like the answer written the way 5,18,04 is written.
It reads 2,55,16
